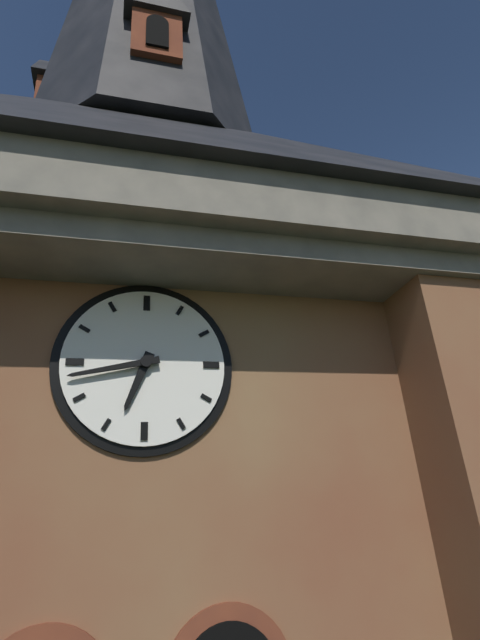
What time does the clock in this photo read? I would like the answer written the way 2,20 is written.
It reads 6,43
